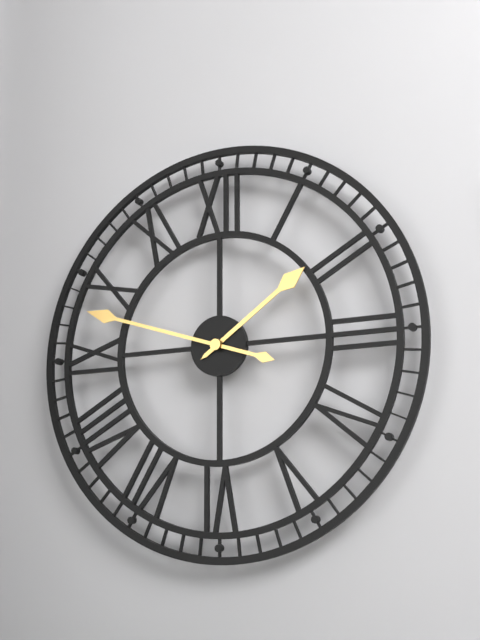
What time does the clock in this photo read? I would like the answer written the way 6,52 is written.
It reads 1,48
